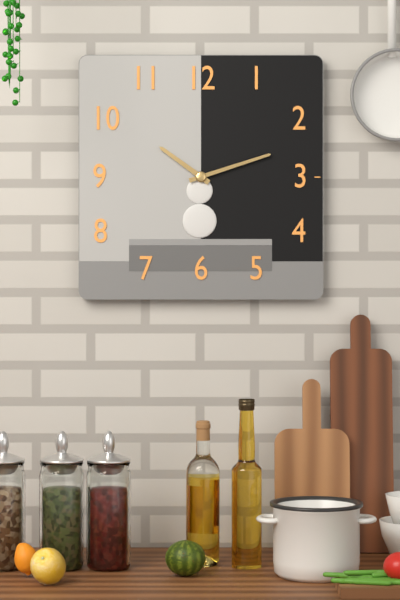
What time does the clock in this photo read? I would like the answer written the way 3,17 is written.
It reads 10,12
